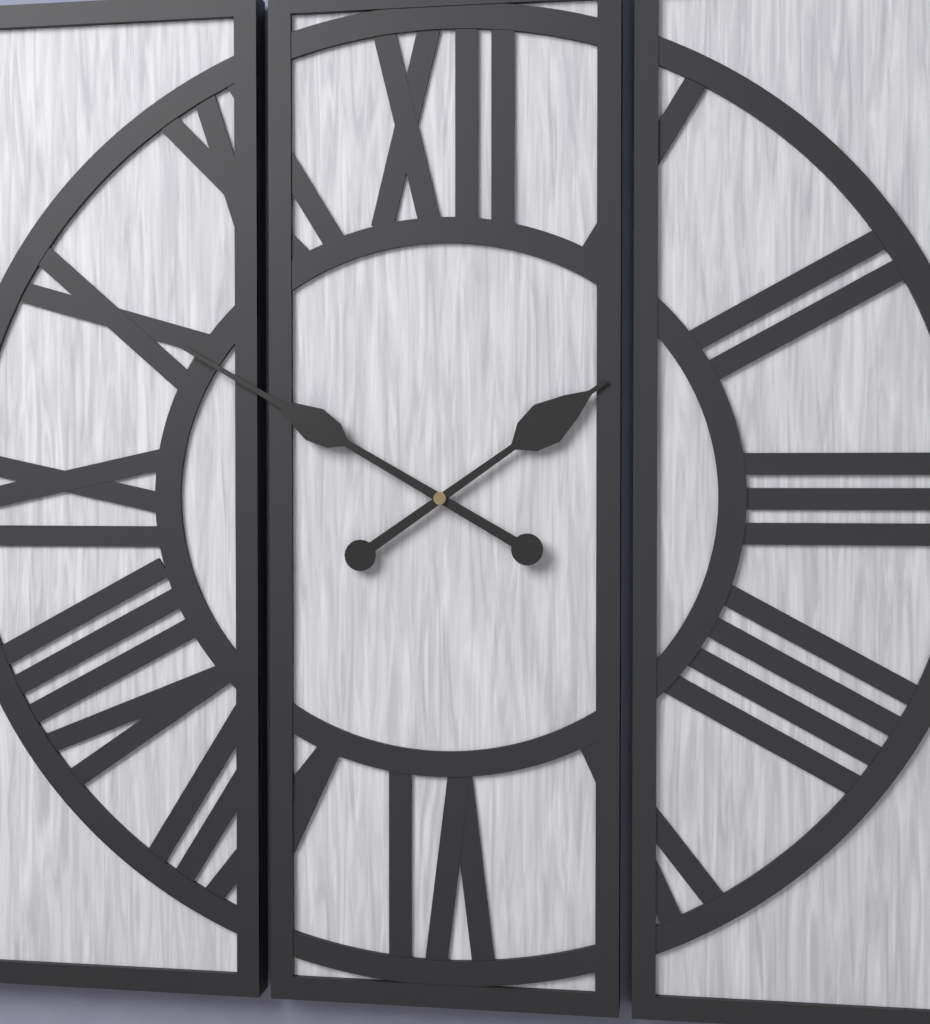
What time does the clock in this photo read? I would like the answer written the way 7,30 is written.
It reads 1,50
